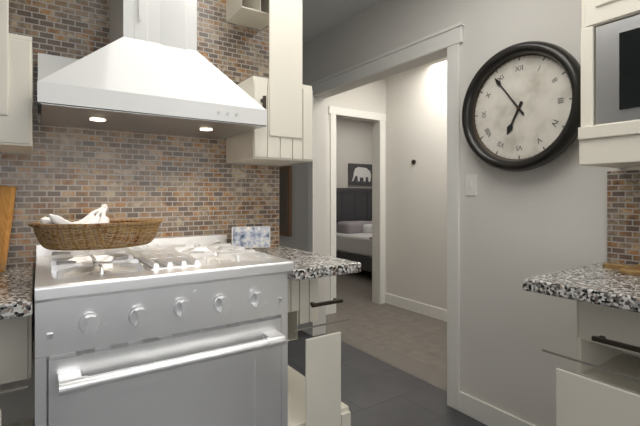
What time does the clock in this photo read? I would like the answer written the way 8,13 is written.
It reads 6,54
